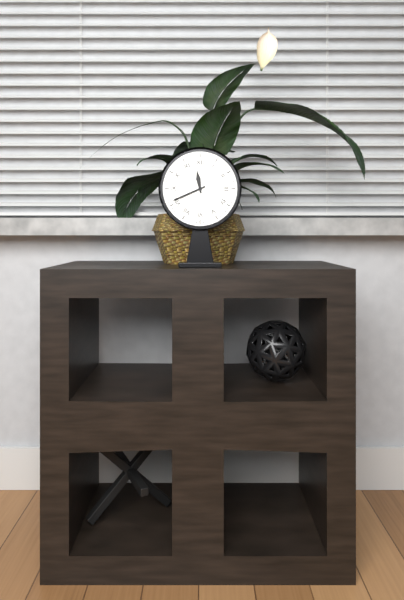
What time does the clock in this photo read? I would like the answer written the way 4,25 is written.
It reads 11,41
